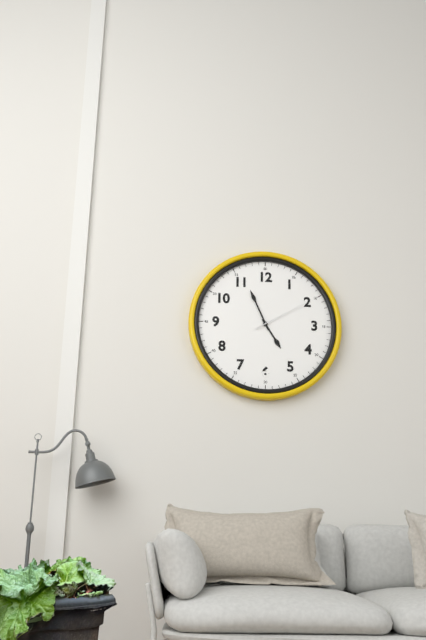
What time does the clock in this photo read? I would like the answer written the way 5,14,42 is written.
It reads 4,56,10
